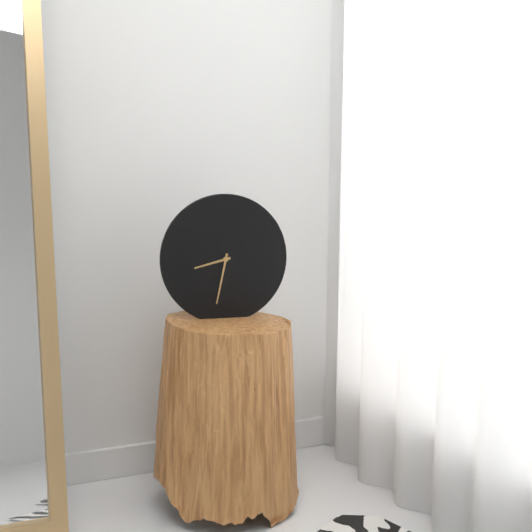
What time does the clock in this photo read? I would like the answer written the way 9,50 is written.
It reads 8,32
